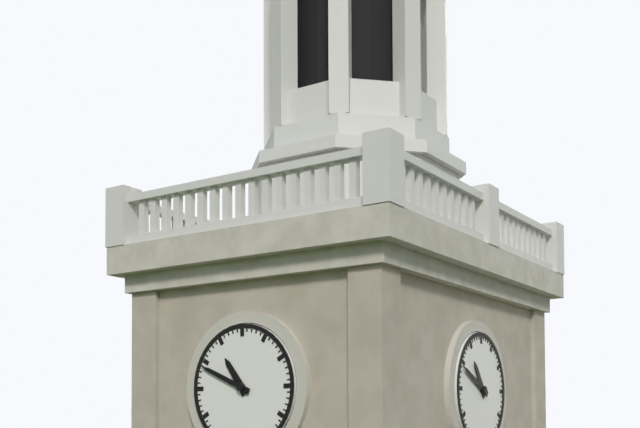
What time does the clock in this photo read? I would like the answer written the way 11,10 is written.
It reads 10,49
